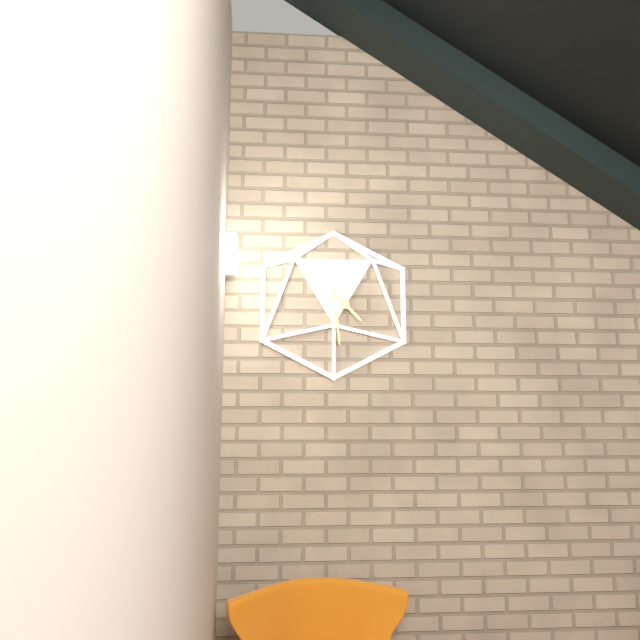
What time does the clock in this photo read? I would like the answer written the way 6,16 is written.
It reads 4,29
